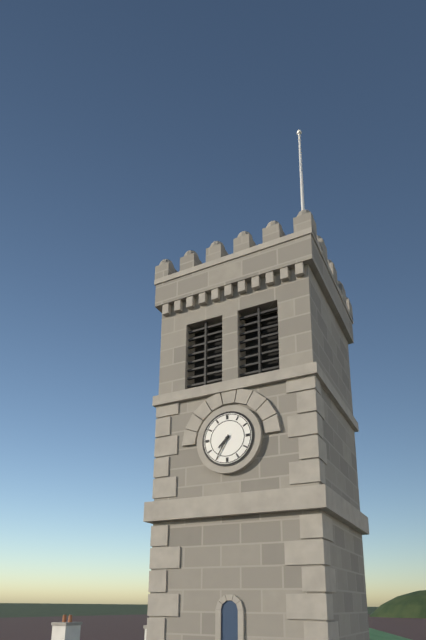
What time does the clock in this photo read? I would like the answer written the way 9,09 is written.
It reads 7,35
